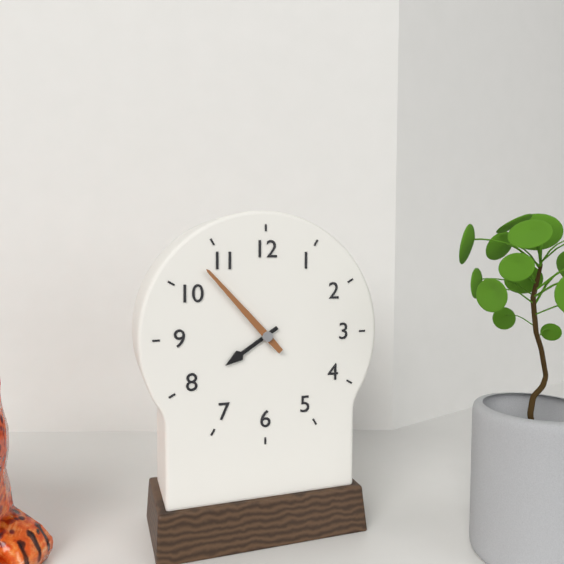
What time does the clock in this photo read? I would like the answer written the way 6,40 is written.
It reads 7,53
